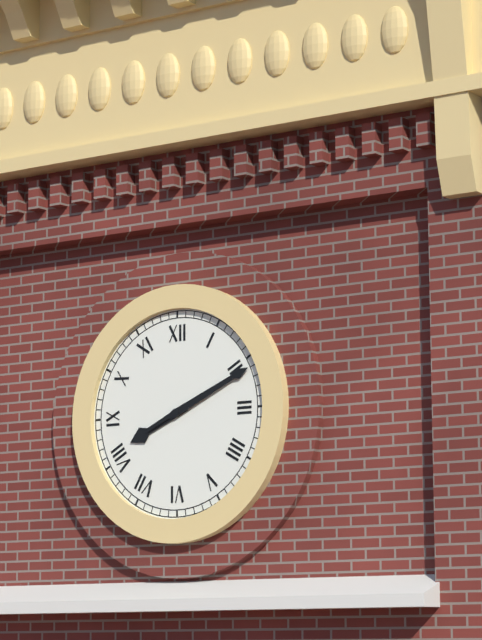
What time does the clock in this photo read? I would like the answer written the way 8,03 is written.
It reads 8,11
